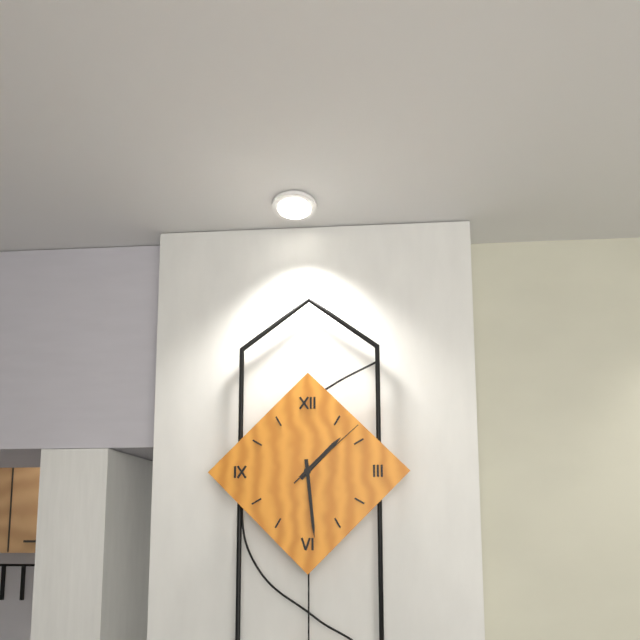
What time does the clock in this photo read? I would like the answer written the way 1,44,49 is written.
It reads 1,29,08
